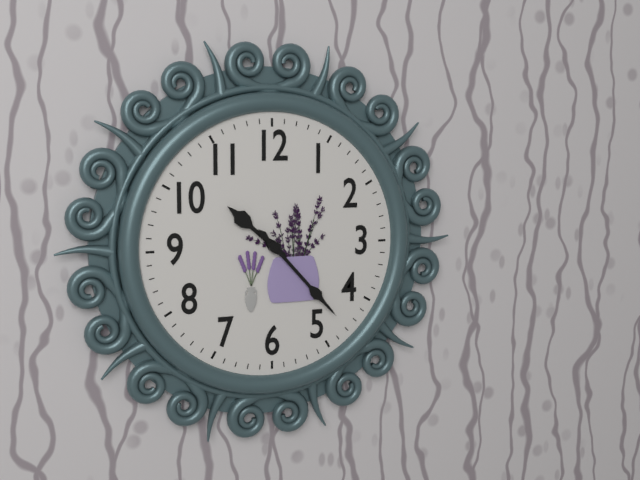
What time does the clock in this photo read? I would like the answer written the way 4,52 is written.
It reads 10,23
